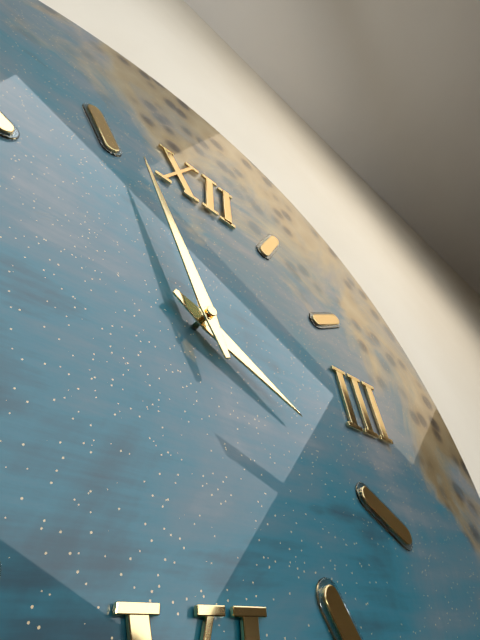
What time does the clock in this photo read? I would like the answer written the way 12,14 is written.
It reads 3,56
